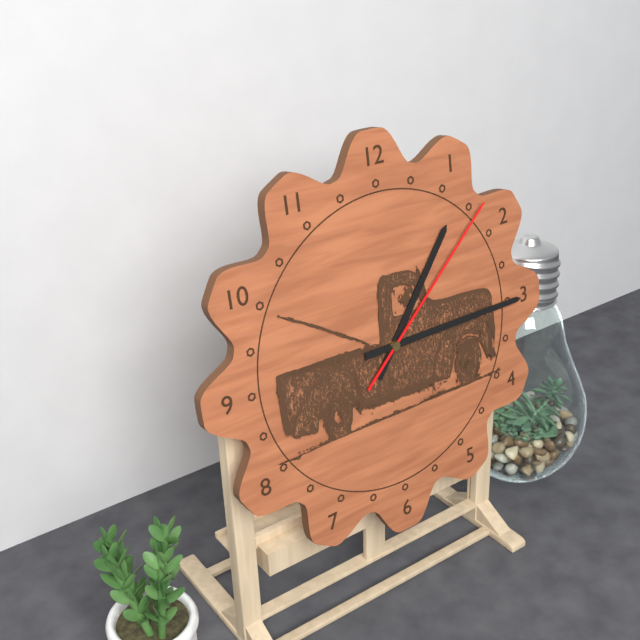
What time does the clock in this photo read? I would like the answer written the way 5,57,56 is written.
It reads 1,15,08
